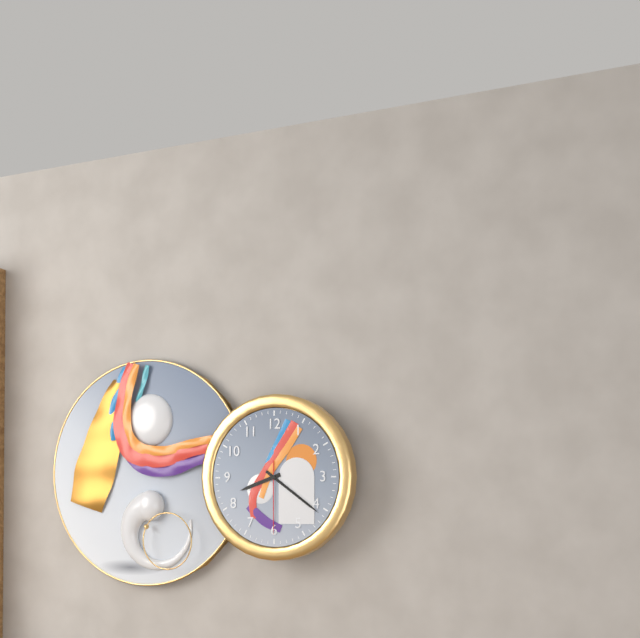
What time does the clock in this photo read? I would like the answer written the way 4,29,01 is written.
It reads 8,21,30
